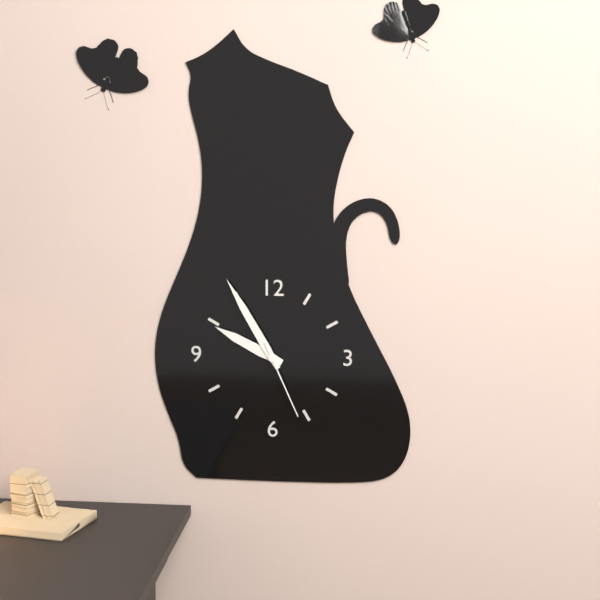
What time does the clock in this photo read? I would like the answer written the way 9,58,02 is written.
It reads 9,55,26
